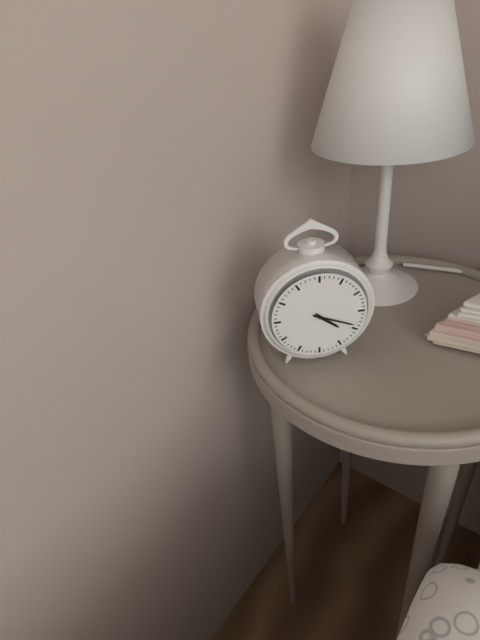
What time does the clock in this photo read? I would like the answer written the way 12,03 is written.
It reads 4,19
